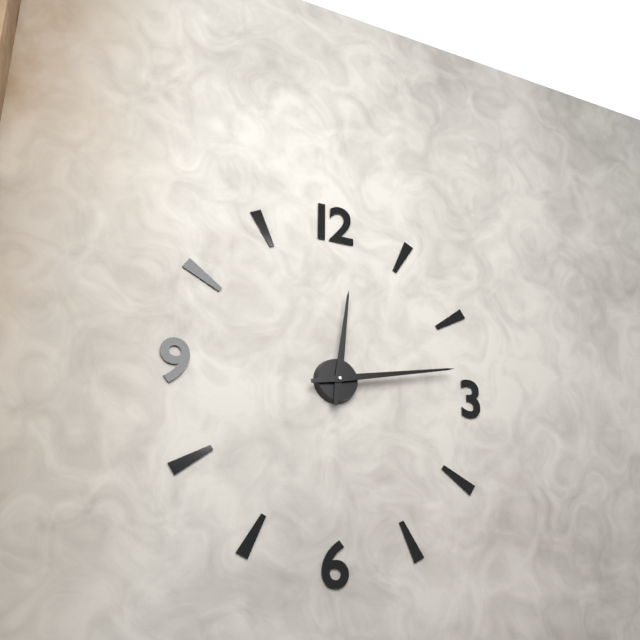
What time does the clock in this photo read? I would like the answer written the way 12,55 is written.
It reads 12,13
